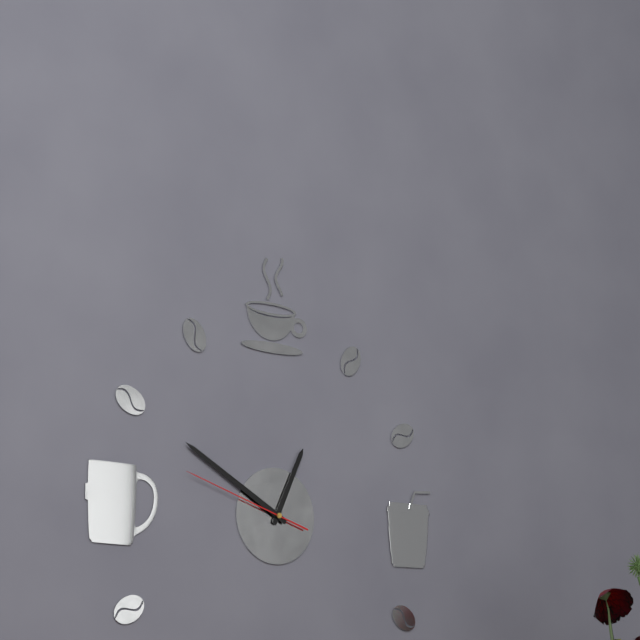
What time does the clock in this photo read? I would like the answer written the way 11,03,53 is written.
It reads 12,50,48
